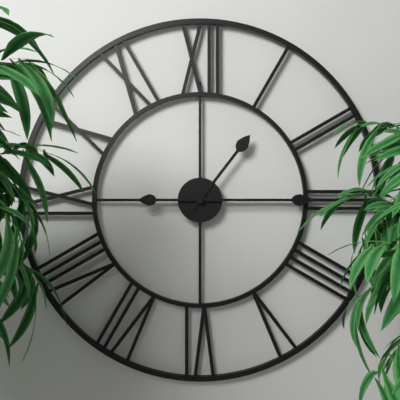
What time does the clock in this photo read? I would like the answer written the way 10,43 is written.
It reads 1,15
